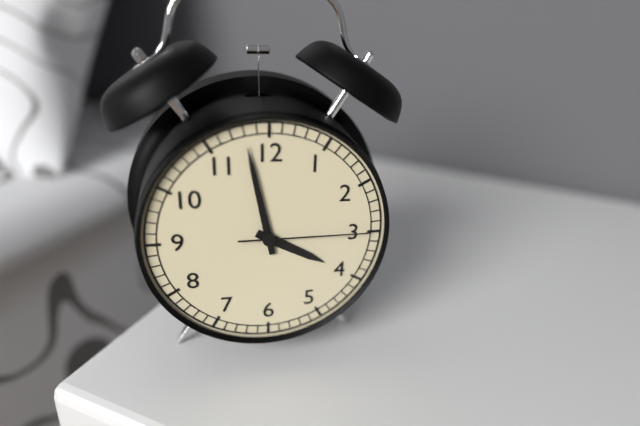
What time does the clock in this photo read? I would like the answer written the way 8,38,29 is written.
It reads 3,58,15
